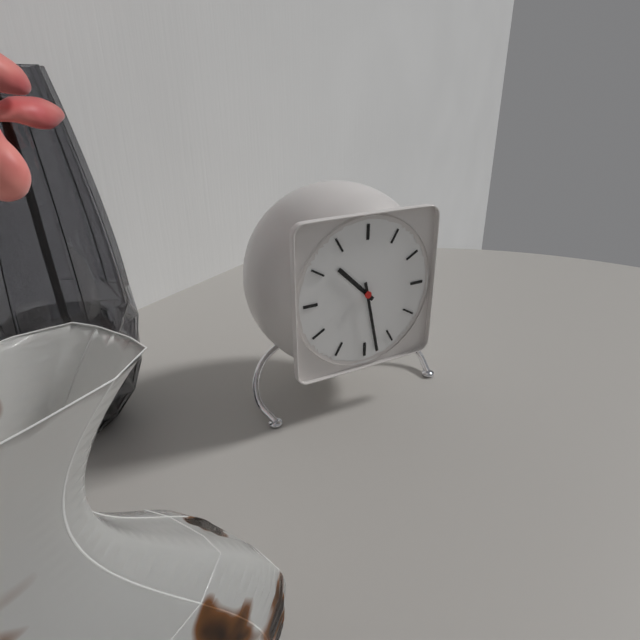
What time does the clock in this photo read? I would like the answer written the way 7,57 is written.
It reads 10,28
